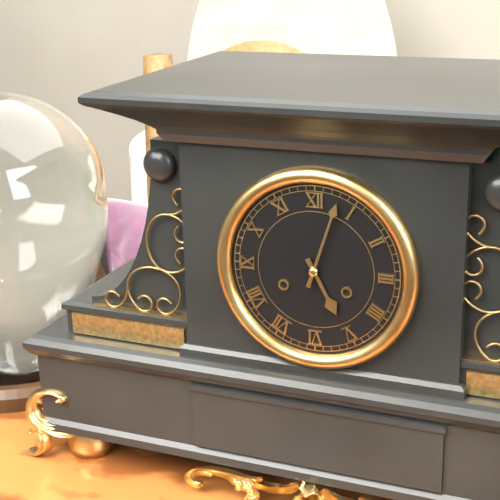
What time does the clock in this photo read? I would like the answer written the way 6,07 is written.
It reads 5,03
